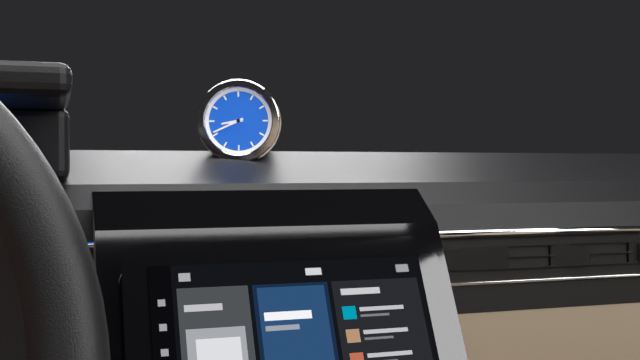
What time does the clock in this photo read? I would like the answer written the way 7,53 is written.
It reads 8,41
